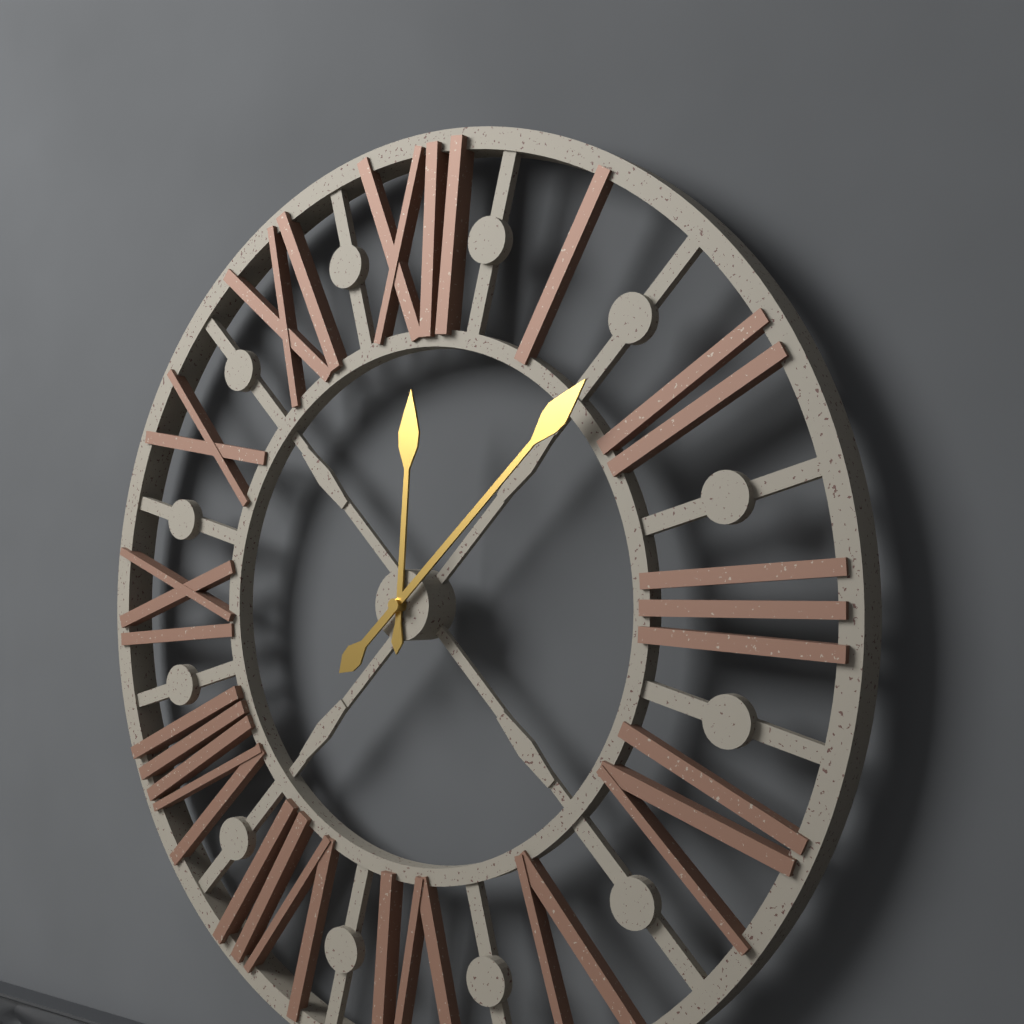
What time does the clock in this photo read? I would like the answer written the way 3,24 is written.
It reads 12,08
